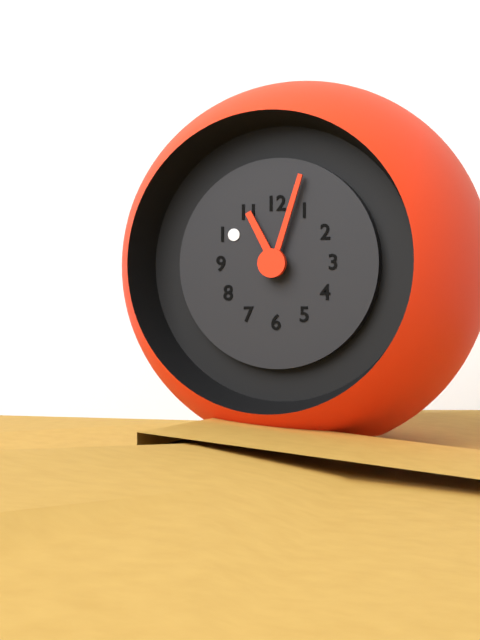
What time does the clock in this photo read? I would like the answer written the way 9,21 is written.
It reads 11,03
